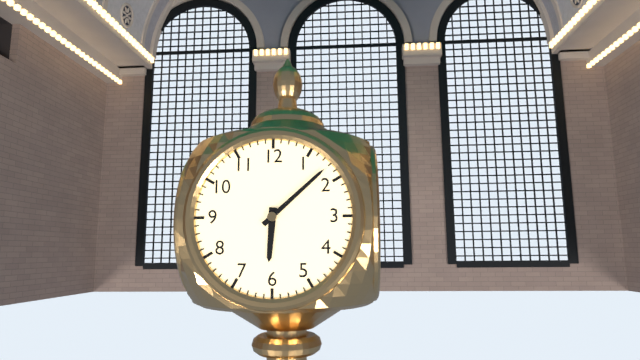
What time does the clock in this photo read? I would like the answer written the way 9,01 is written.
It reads 6,08
